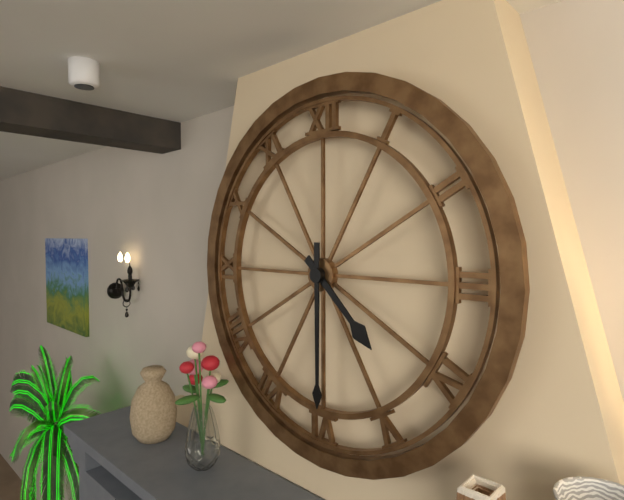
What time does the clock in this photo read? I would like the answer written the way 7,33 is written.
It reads 4,30
